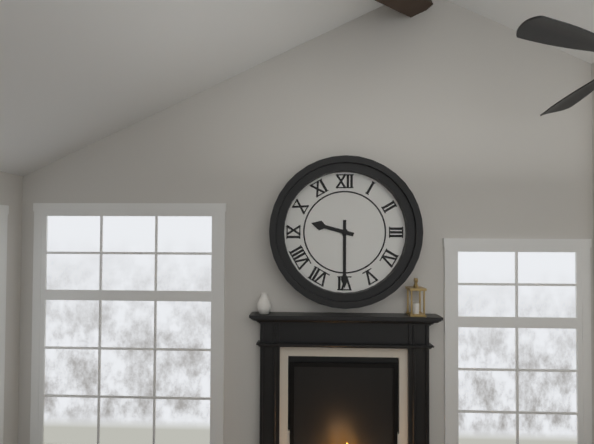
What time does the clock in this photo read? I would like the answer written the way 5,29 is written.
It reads 9,30
